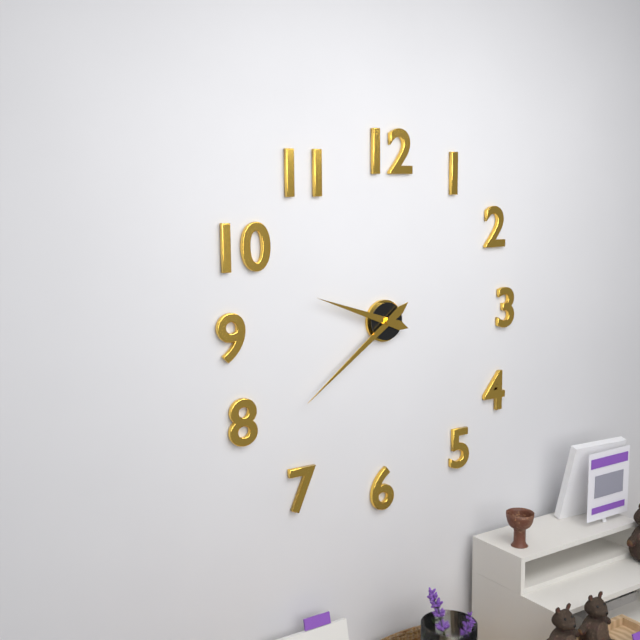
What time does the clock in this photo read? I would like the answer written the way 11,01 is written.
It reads 9,39
